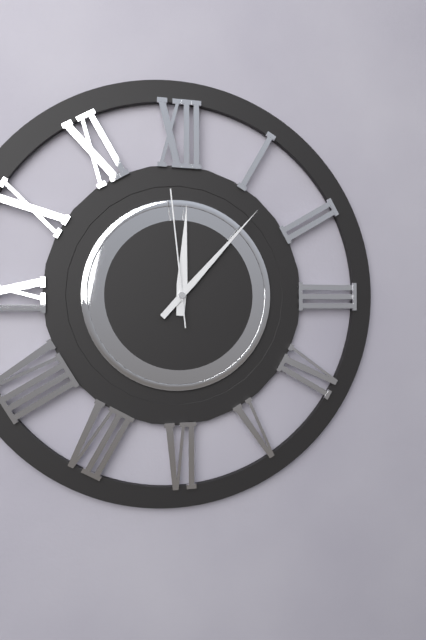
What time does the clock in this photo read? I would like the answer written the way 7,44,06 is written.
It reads 12,07,59
